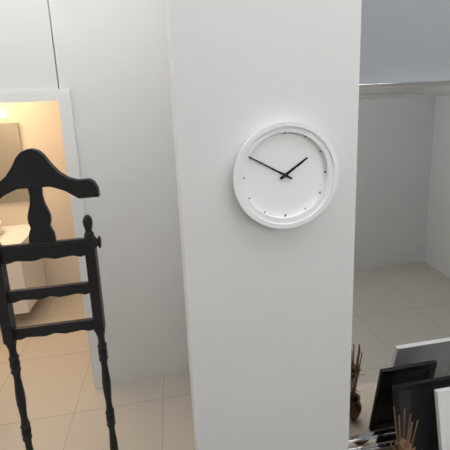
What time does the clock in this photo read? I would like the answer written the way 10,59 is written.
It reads 1,50
